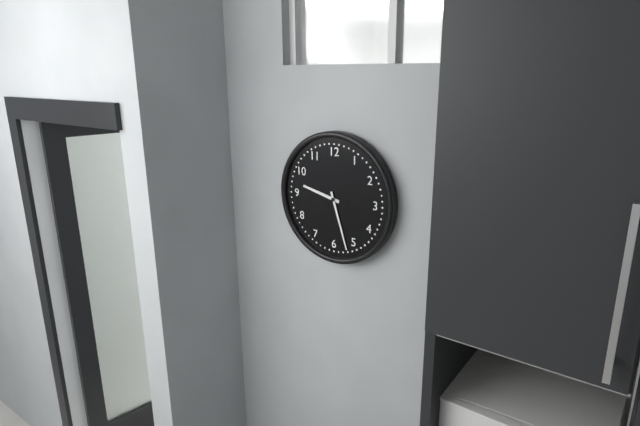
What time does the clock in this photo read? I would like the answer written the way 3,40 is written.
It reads 9,27
